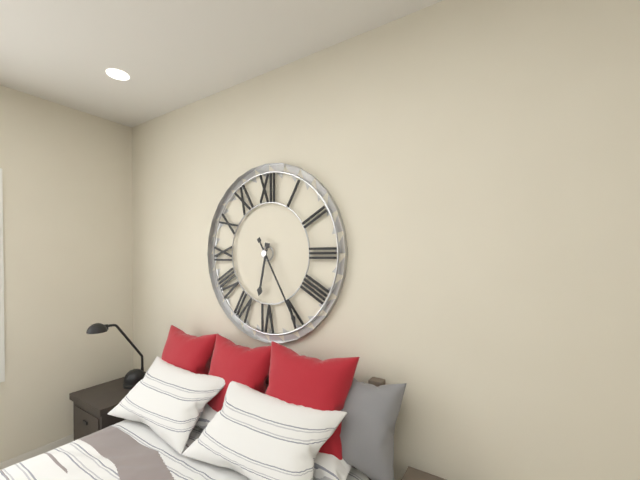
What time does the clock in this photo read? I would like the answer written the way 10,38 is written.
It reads 6,25
